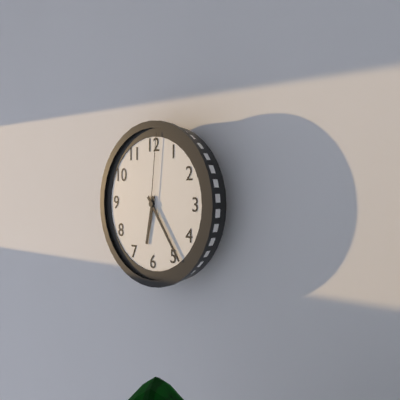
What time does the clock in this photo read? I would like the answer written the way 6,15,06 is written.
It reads 6,24,01
